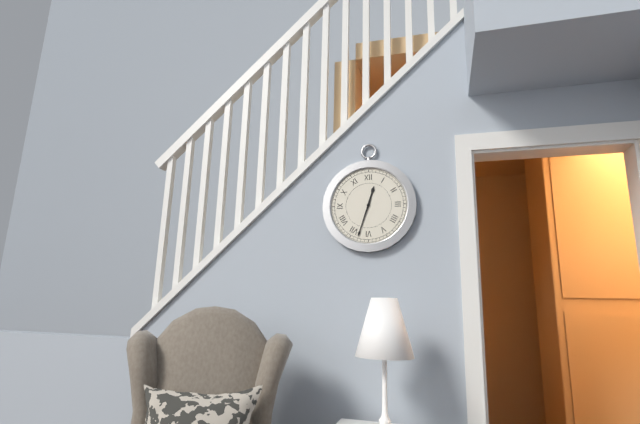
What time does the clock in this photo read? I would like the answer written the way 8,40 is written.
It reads 12,33
